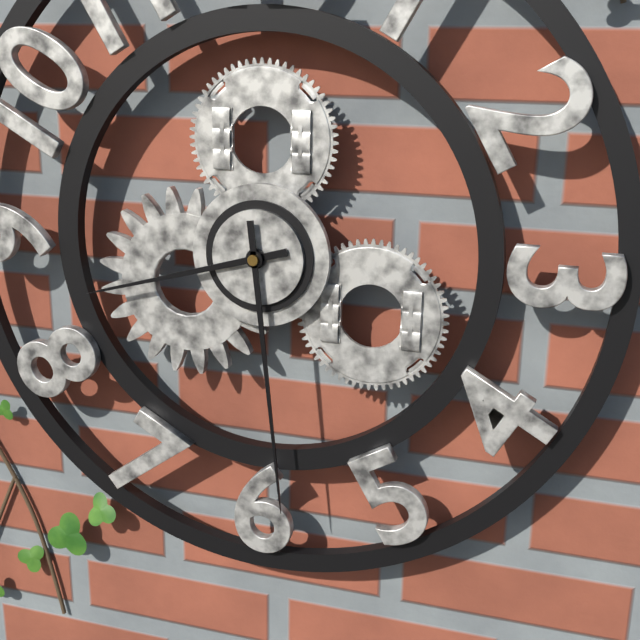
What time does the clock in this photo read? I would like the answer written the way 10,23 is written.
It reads 8,29
